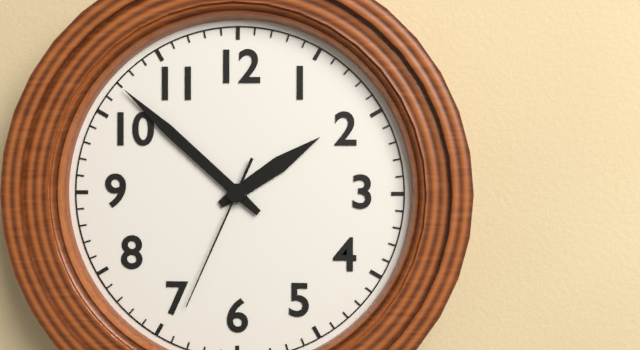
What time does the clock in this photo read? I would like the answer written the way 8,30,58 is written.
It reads 1,52,34
